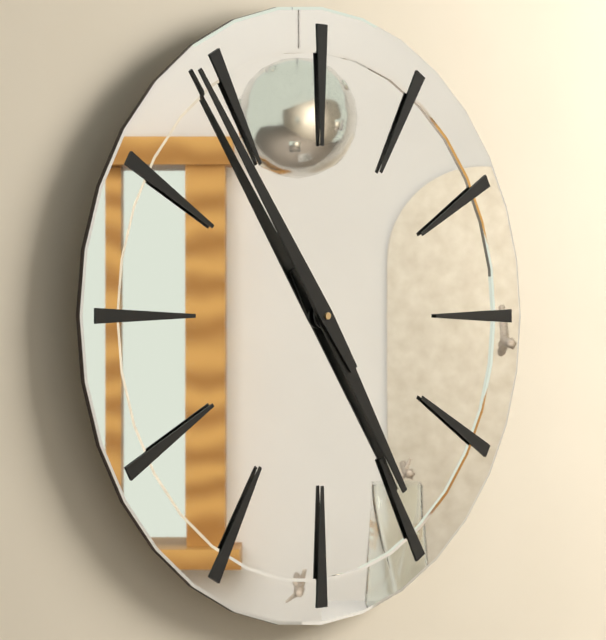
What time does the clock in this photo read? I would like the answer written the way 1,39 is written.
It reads 4,54
